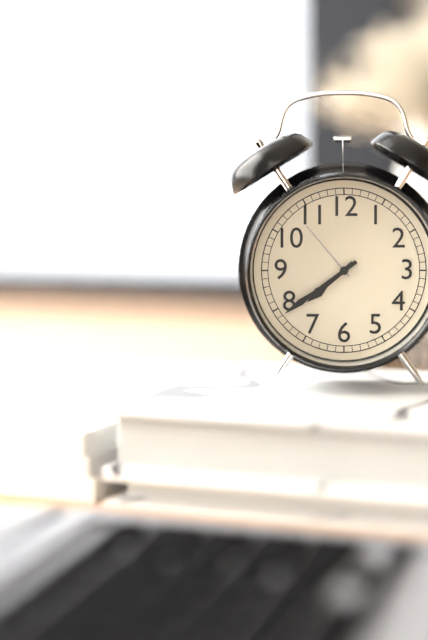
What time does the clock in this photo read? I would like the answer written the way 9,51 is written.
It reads 7,39
